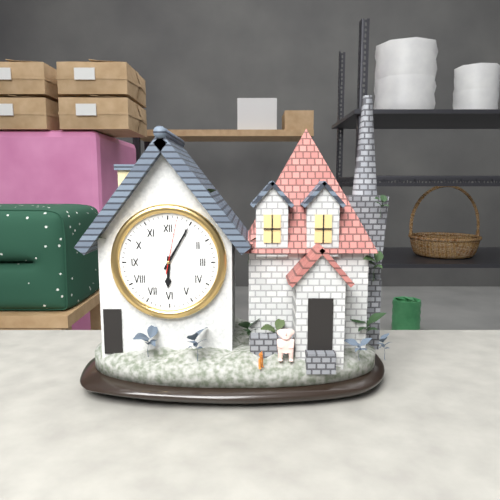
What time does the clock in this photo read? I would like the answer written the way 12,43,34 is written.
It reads 6,05,02
